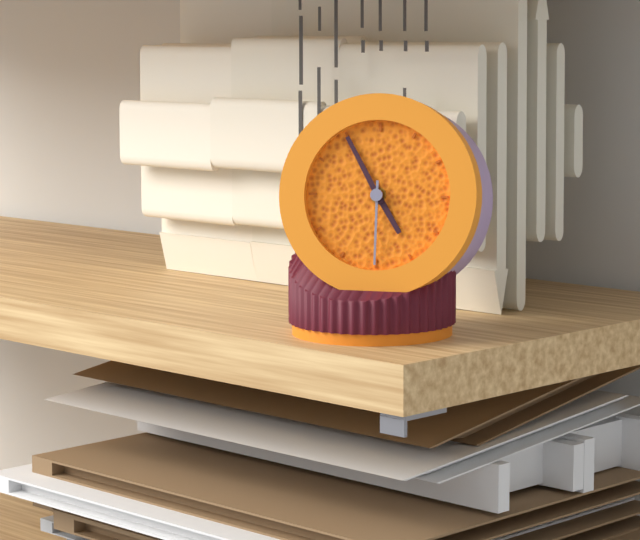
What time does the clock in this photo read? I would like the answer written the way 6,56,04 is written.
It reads 4,55,30
